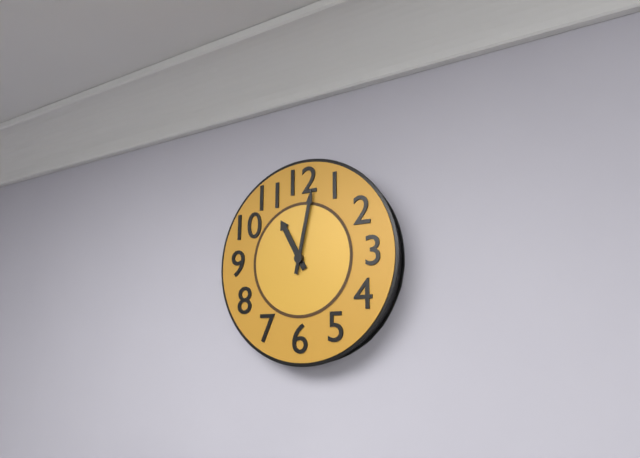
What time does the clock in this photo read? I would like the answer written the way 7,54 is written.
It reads 11,02
